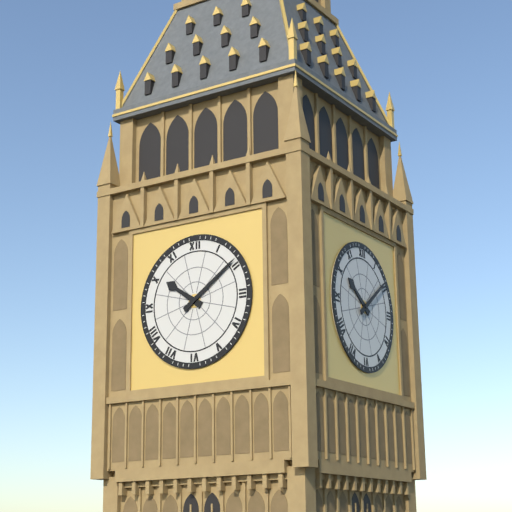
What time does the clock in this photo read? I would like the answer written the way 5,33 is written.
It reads 10,09
